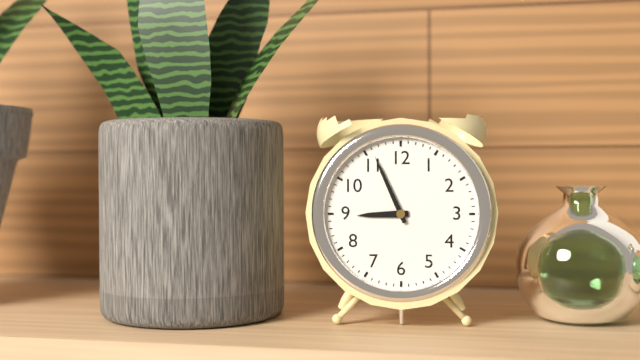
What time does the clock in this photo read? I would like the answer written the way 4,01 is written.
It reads 8,56
